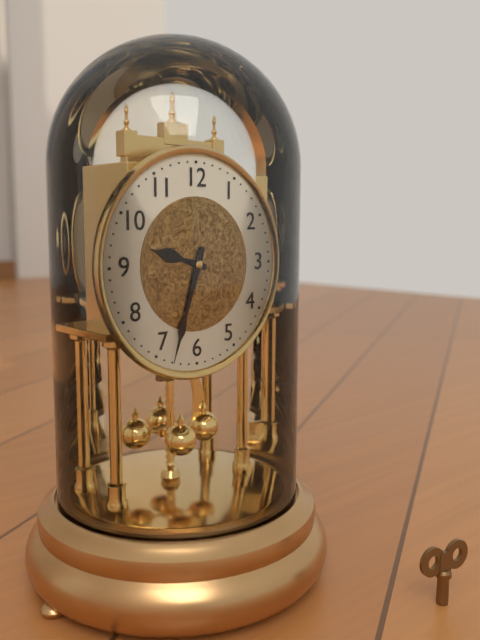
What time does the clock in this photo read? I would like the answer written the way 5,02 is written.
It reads 9,33
